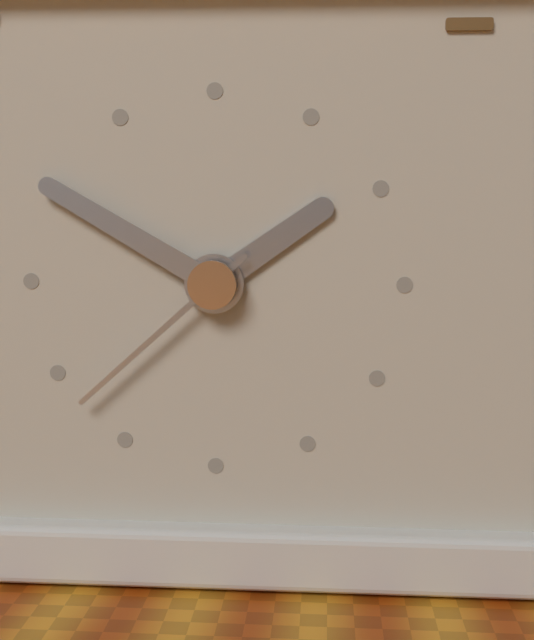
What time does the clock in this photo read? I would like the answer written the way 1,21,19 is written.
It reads 1,50,38
